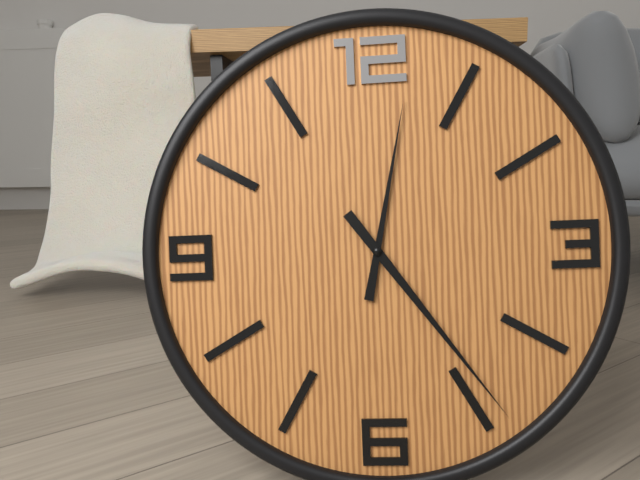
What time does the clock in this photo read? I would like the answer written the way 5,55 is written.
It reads 12,24
